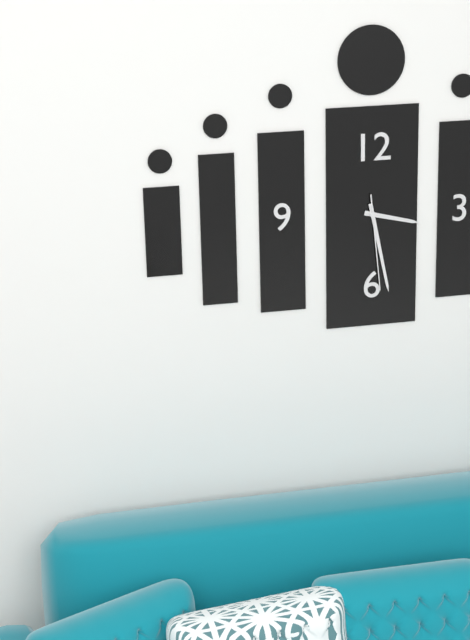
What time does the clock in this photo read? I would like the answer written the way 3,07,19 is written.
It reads 3,28,29
